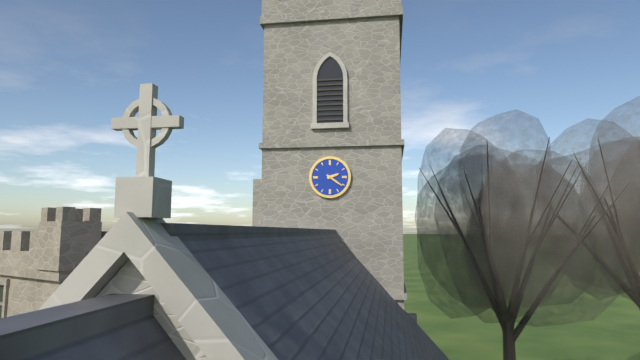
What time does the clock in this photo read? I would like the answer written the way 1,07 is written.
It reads 2,21
